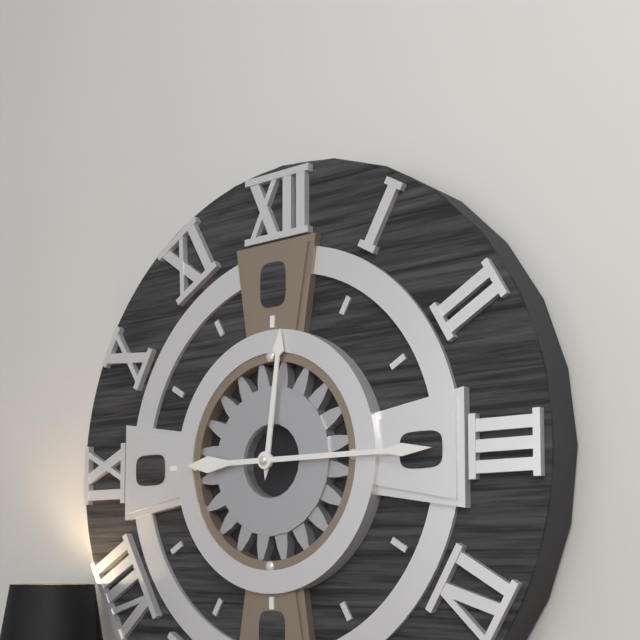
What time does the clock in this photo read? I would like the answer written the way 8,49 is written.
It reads 12,15
